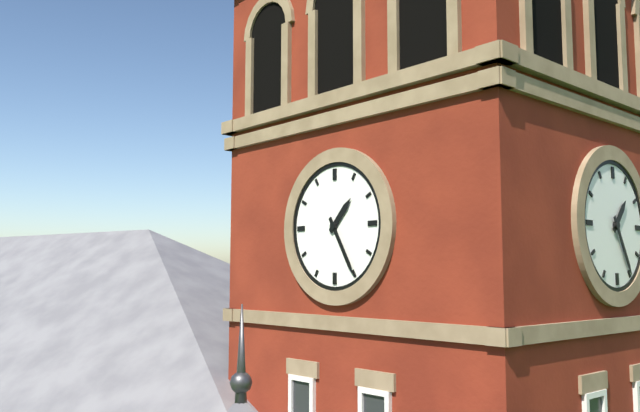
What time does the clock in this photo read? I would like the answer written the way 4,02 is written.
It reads 1,25
